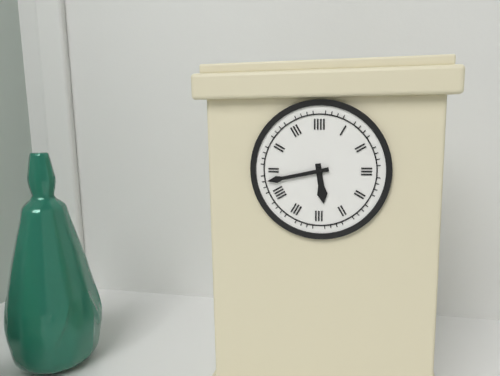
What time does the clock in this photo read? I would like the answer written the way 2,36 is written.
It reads 5,43
